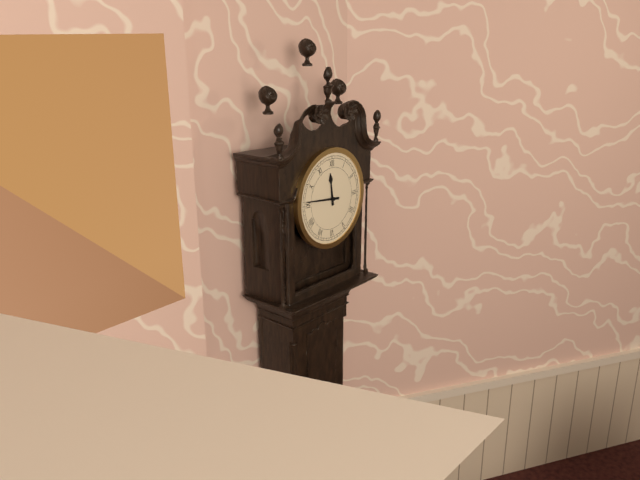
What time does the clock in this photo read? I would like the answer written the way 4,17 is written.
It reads 11,46
